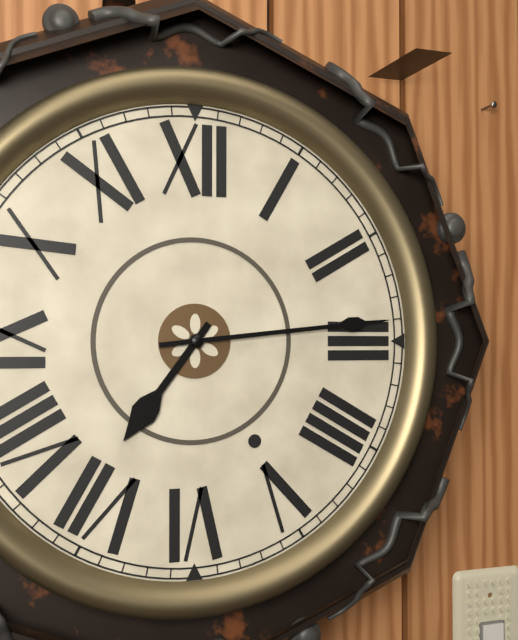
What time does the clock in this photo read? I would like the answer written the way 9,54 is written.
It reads 7,14
